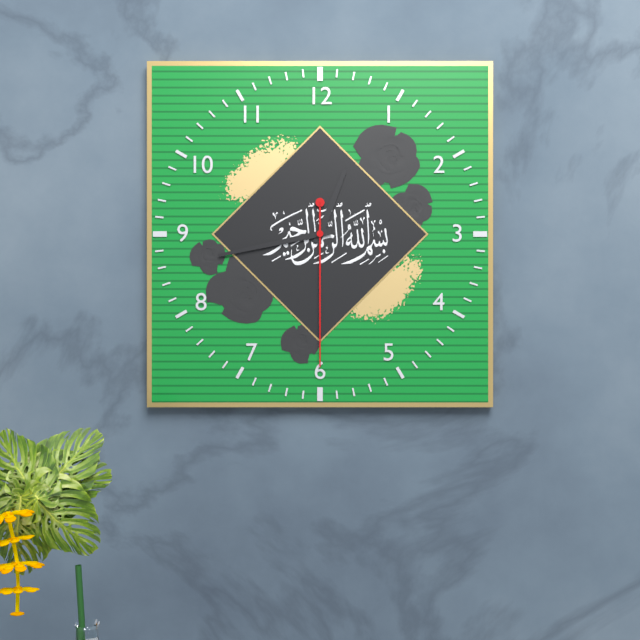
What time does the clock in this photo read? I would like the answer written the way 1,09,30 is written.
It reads 12,43,30
